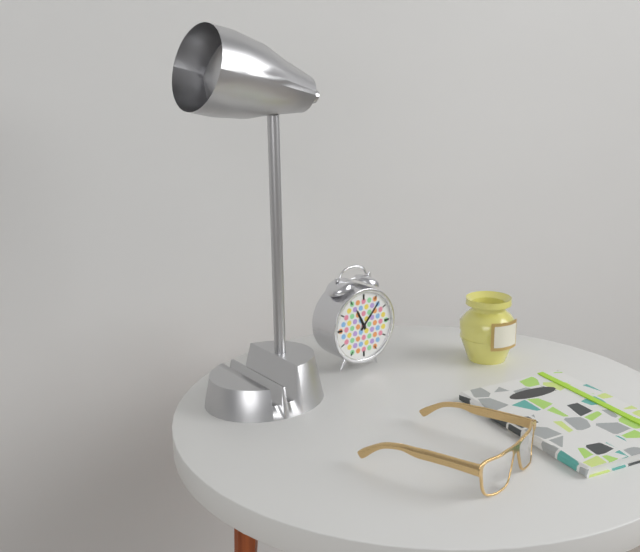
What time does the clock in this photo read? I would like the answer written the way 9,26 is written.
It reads 11,07
